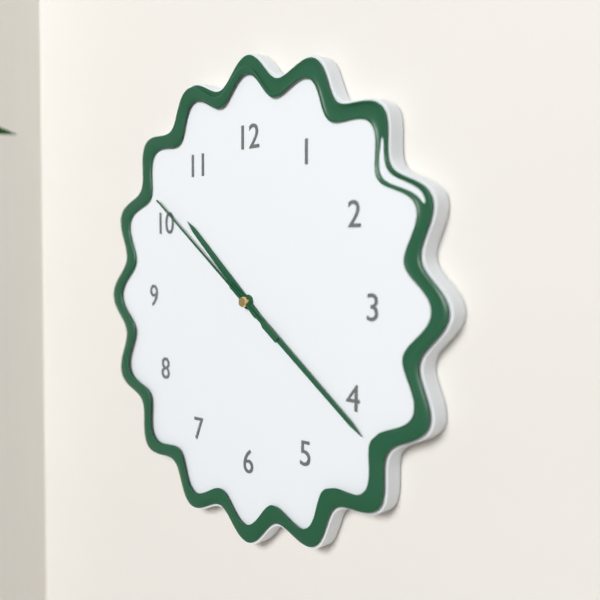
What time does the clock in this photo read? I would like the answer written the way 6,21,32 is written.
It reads 10,21,51
